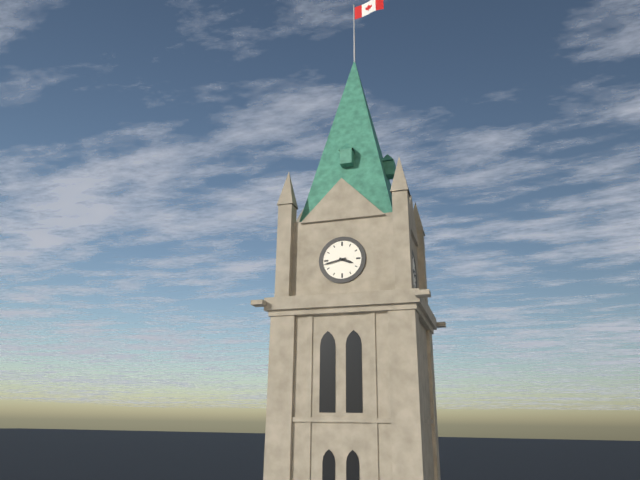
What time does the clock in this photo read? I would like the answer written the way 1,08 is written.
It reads 3,43
